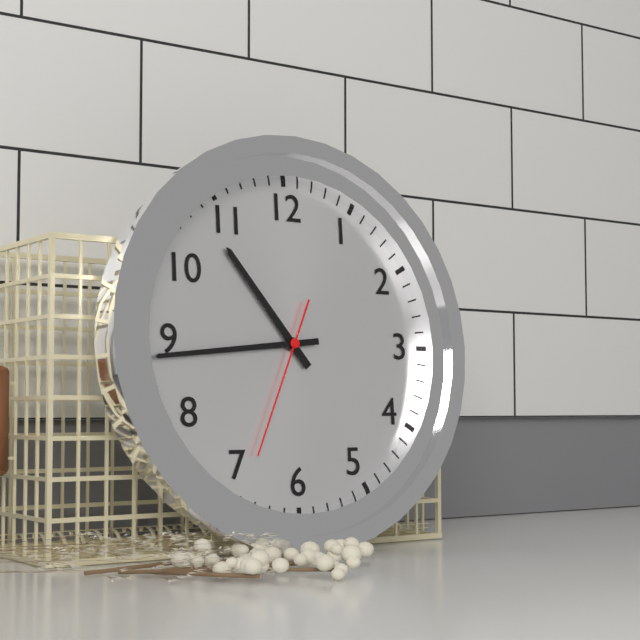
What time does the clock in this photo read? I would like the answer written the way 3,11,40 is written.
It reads 10,44,34
